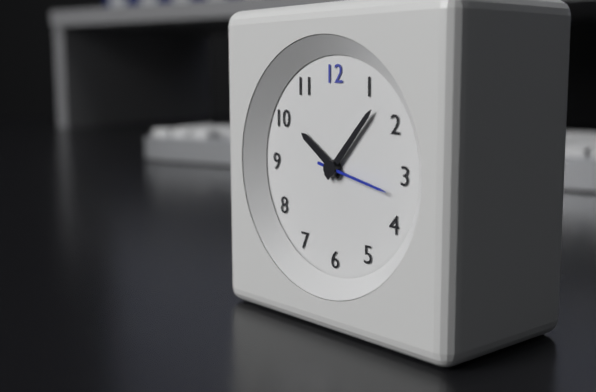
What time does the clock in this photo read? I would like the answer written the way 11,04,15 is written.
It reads 10,07,17
